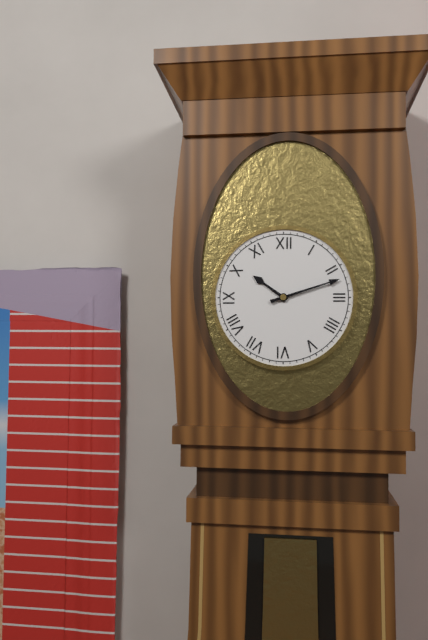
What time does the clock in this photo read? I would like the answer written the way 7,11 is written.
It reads 10,12
